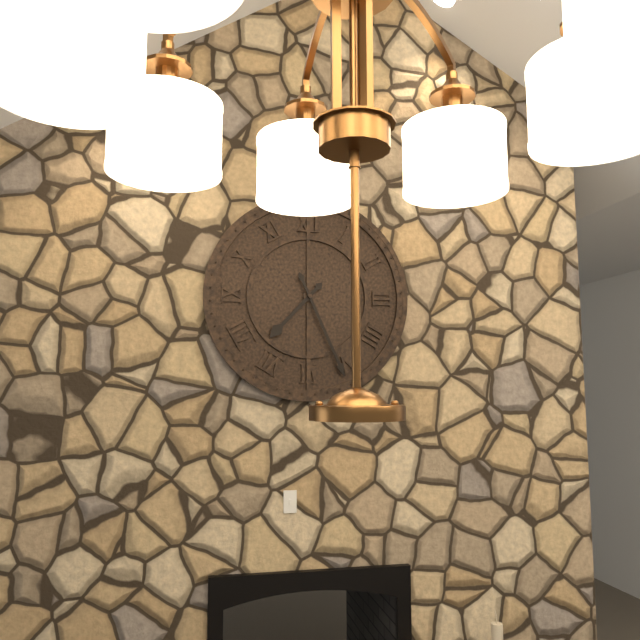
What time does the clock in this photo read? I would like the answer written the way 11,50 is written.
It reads 7,26
